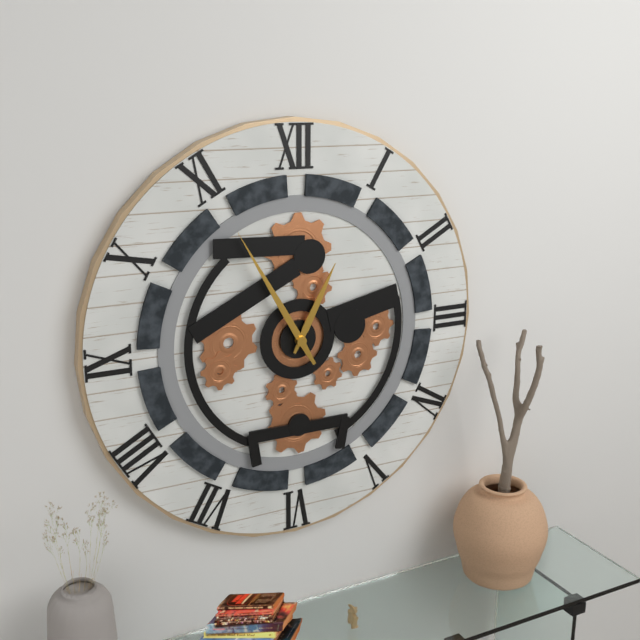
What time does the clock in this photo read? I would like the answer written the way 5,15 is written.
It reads 12,55
